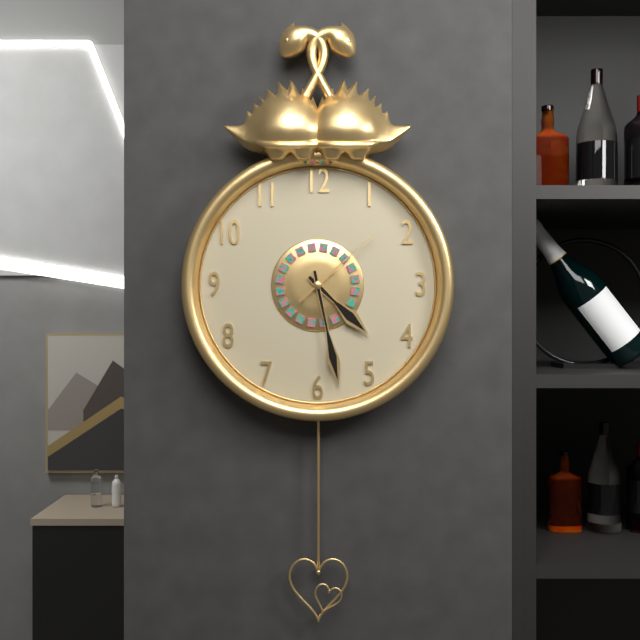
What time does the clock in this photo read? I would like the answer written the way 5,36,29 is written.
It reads 4,28,08
